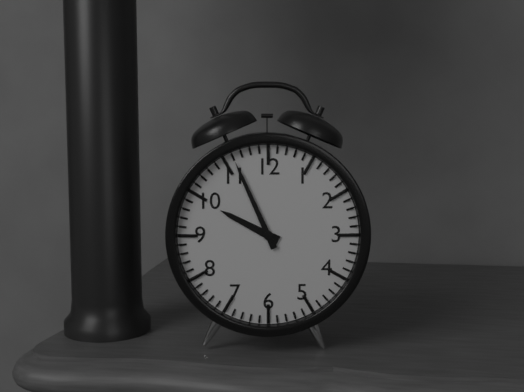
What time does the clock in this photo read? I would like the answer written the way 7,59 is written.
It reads 9,56
